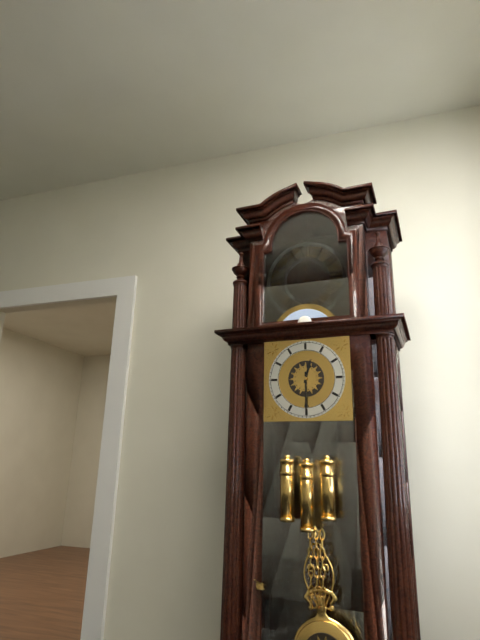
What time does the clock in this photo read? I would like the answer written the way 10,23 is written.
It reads 12,30
